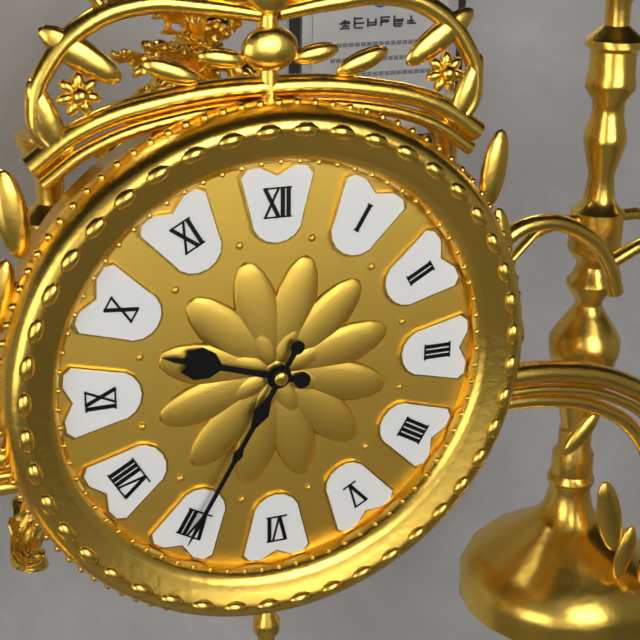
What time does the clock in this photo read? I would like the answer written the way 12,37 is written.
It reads 9,35
